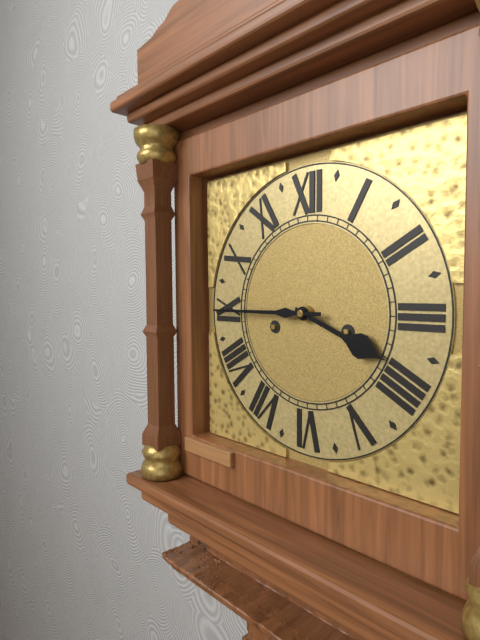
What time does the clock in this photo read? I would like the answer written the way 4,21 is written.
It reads 3,45
